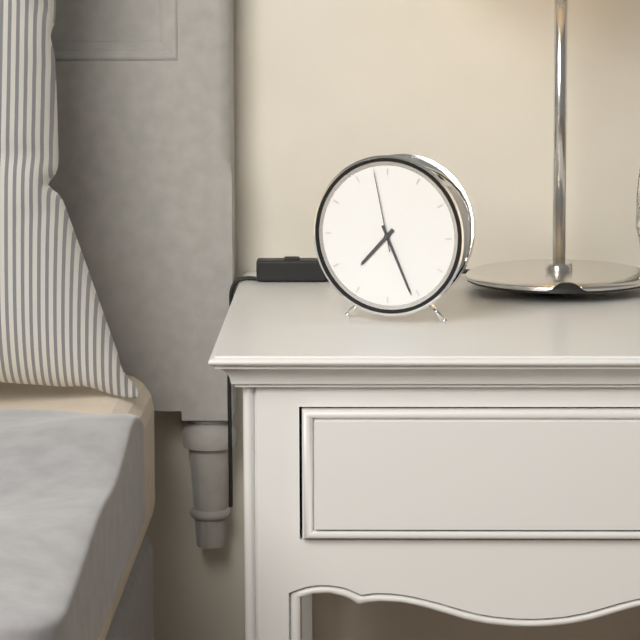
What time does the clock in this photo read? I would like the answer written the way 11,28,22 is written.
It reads 7,26,58
